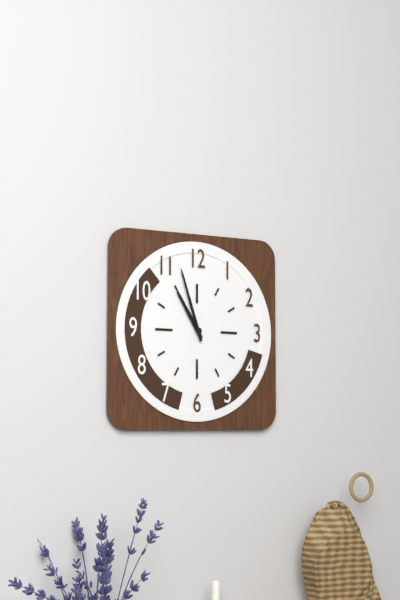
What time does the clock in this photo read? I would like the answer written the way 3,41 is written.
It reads 10,57
